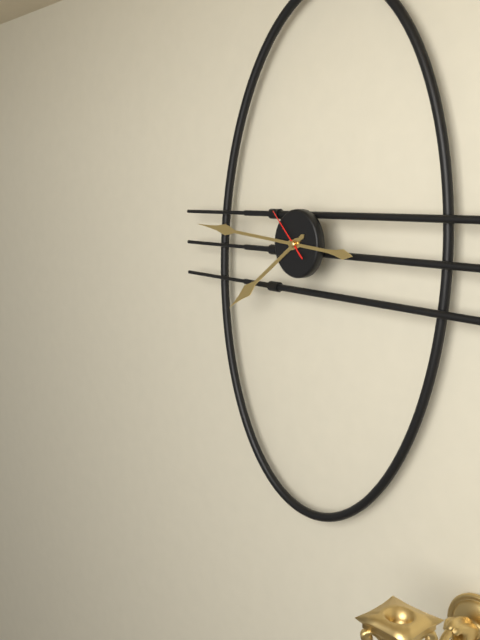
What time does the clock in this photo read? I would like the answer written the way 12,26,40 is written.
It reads 7,46,53
